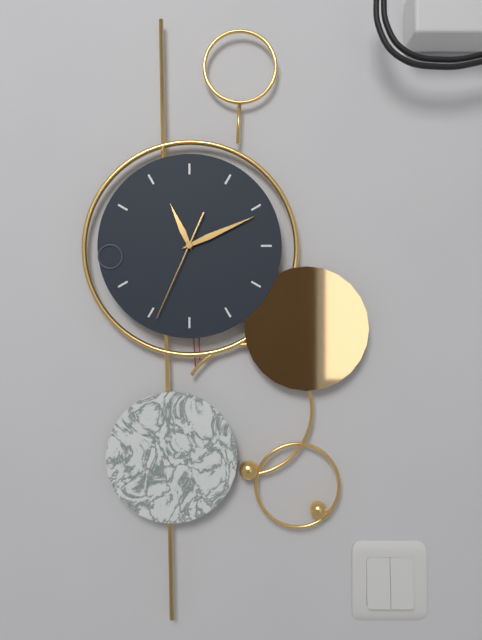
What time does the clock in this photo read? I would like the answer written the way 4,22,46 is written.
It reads 11,11,34
